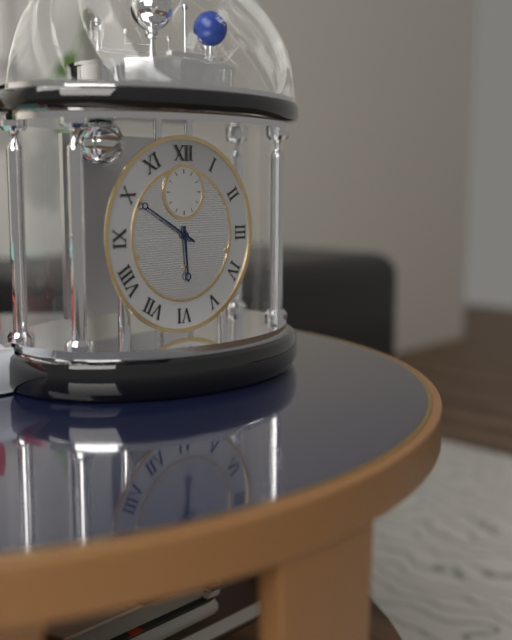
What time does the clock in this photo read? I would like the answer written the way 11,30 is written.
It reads 5,50
